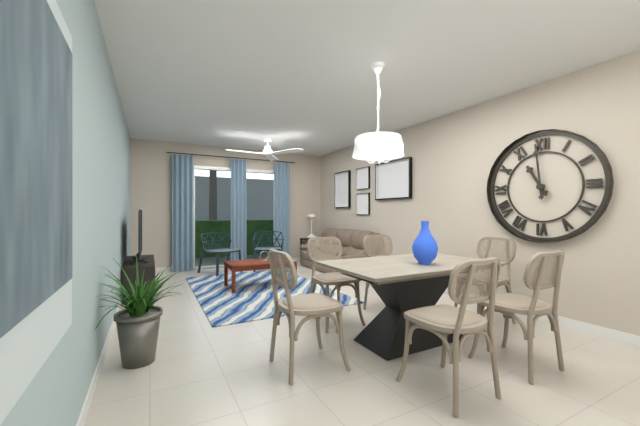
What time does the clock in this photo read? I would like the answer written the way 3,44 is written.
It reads 10,59
